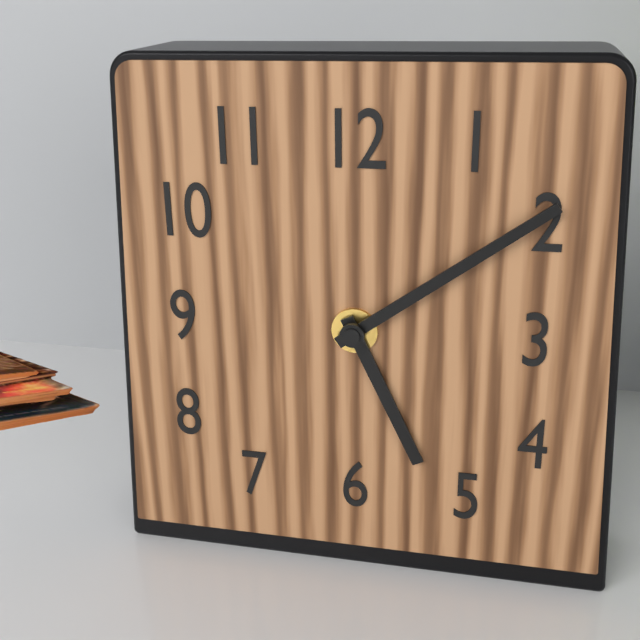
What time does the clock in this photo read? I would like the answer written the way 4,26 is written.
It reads 5,09
